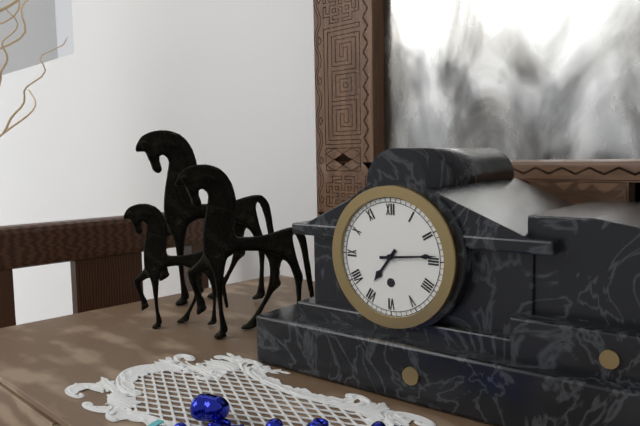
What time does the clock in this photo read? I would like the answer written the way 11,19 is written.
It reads 7,14
